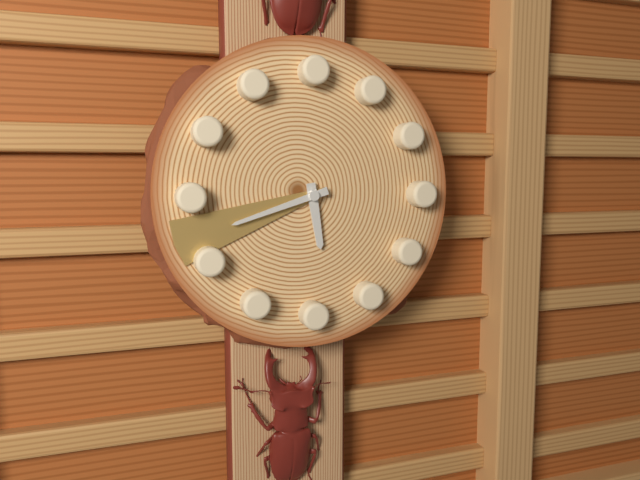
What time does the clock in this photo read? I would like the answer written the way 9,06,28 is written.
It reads 5,42,42
